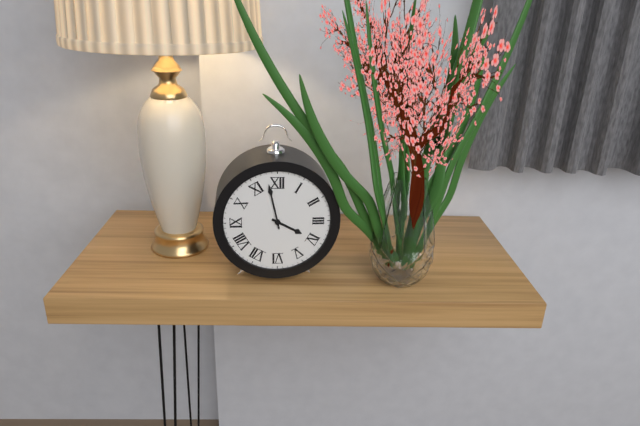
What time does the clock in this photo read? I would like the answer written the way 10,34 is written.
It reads 3,58
